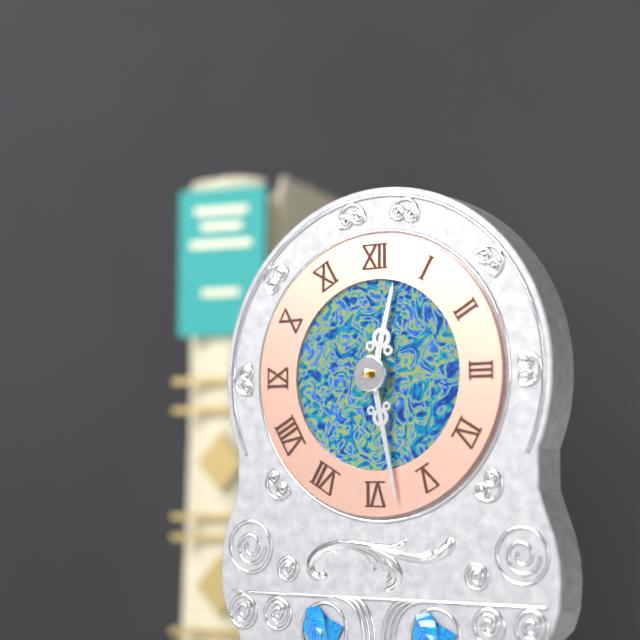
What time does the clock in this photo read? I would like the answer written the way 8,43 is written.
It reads 12,28
